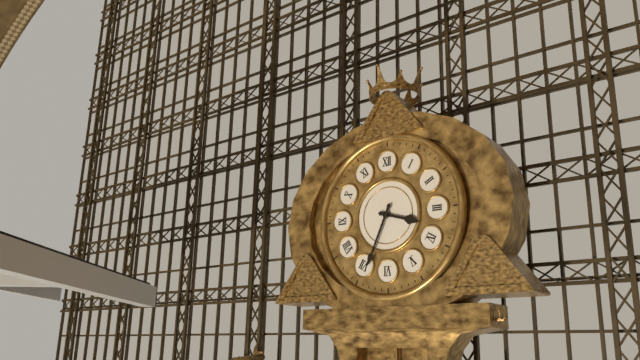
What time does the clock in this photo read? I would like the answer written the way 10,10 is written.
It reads 3,34
